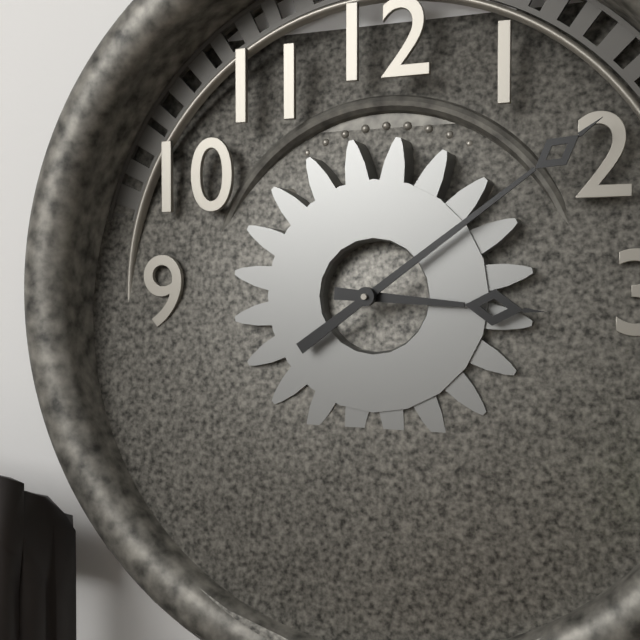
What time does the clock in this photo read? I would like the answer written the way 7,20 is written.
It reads 3,09
